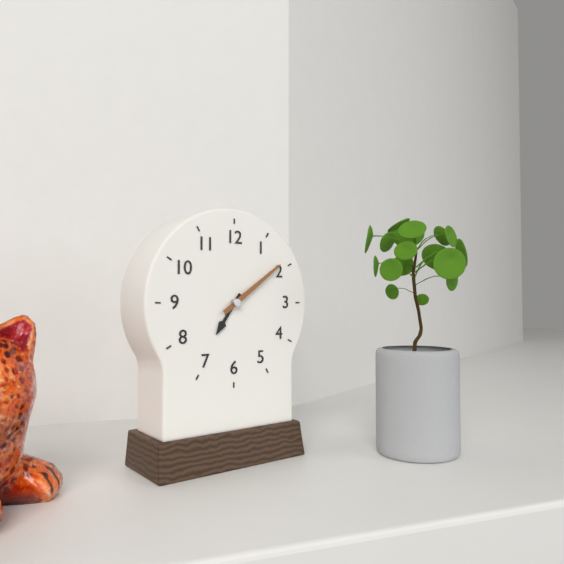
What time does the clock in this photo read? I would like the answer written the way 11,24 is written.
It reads 7,09
